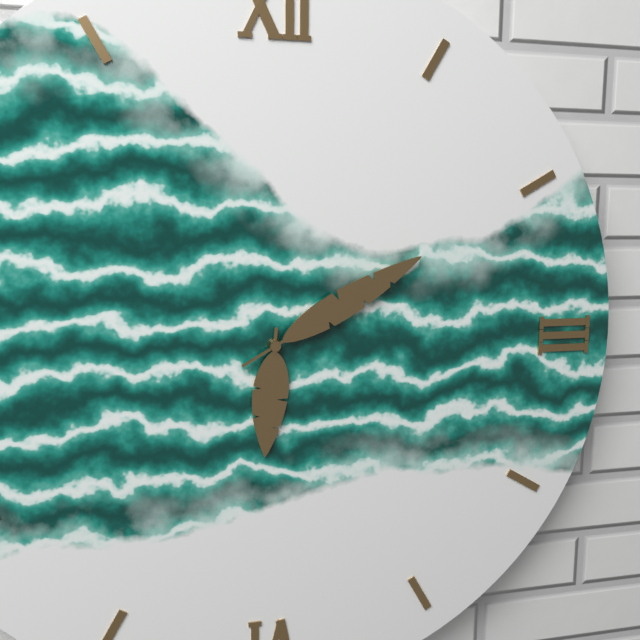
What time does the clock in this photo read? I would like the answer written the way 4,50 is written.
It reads 6,10
